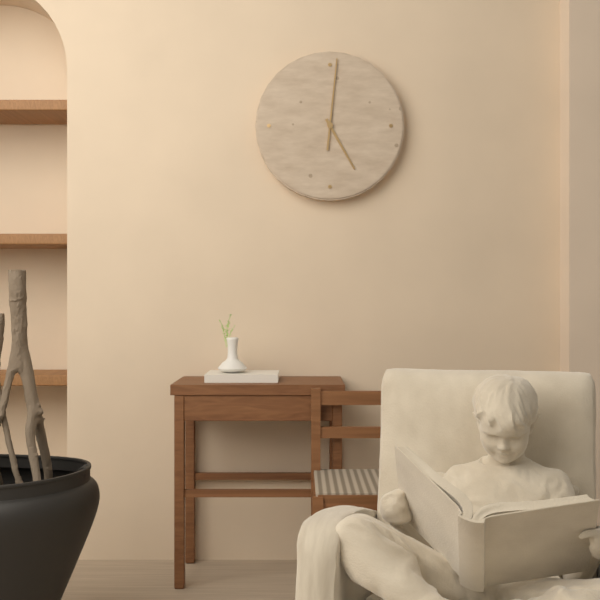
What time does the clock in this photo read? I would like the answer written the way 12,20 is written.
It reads 5,01
